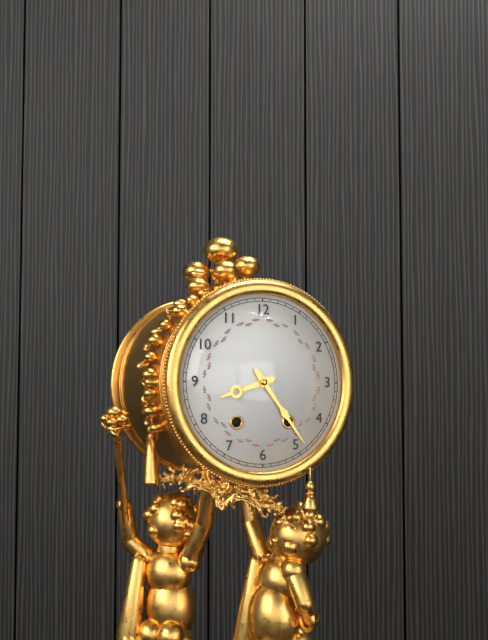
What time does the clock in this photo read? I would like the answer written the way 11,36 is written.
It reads 8,24
